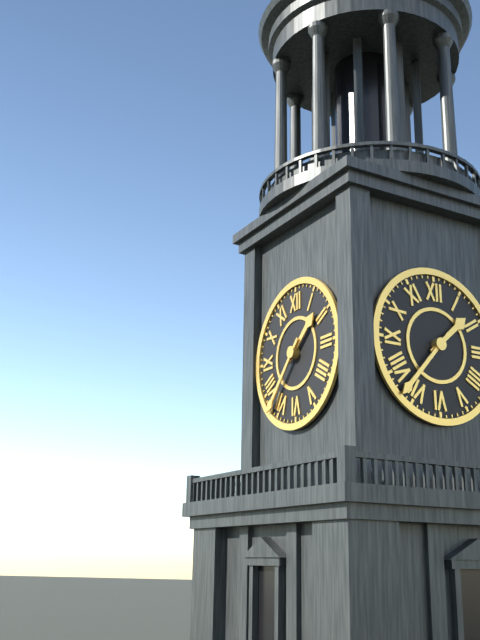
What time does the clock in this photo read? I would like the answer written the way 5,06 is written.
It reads 1,37
